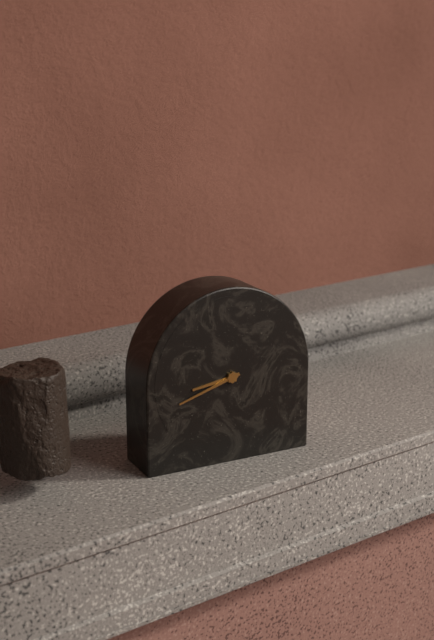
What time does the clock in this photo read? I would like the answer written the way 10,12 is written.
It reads 8,42
